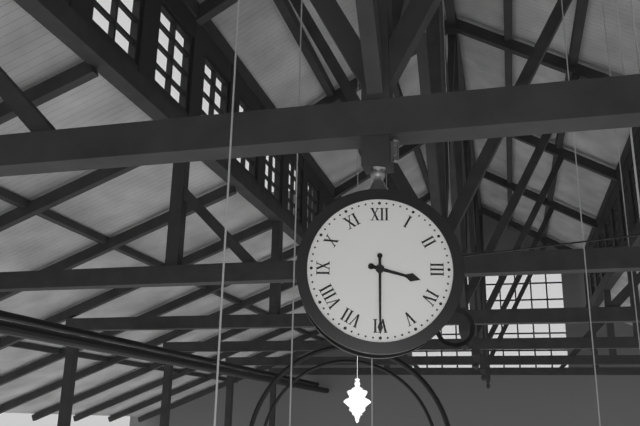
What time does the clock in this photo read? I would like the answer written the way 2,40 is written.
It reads 3,30
